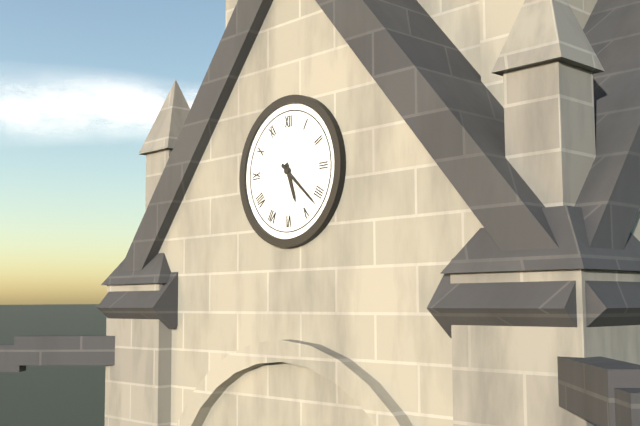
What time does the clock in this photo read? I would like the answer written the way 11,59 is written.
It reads 5,22
